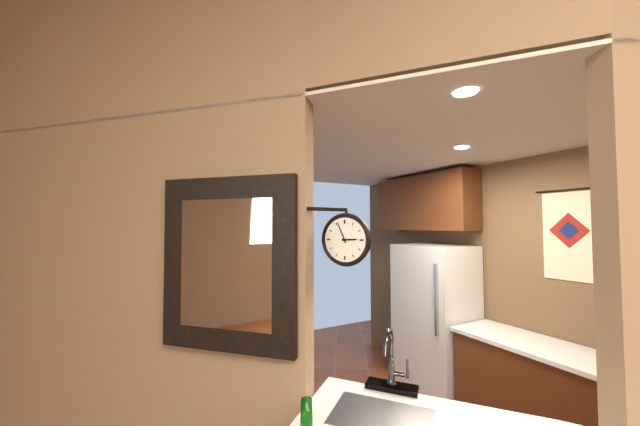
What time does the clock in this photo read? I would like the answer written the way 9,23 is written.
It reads 2,56
